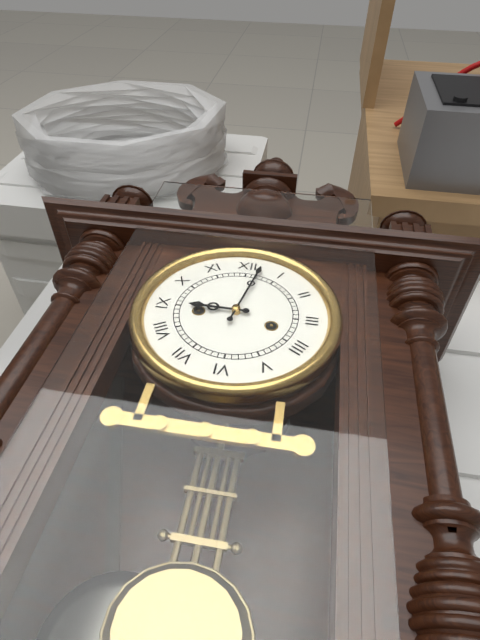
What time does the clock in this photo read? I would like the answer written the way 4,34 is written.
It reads 9,02
